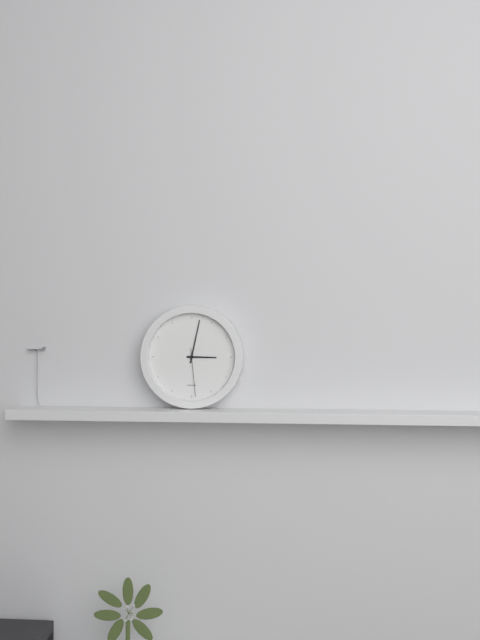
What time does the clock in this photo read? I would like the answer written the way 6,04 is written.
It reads 3,02
